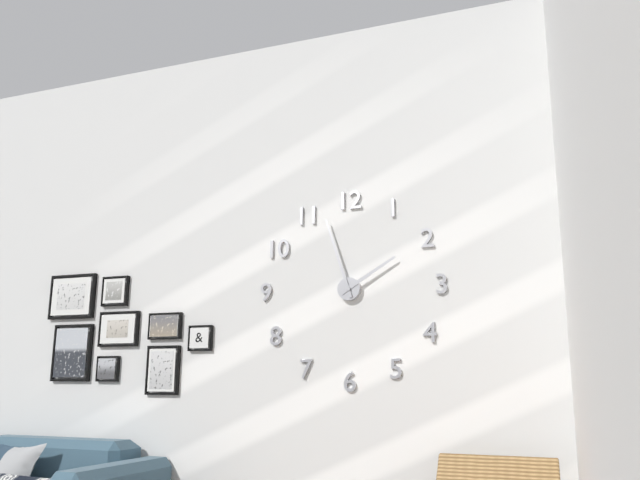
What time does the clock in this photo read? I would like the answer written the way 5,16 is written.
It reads 1,57
